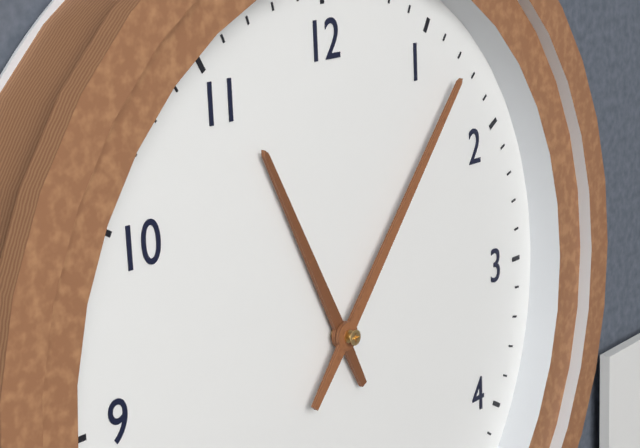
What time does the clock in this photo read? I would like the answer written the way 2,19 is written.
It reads 11,07
